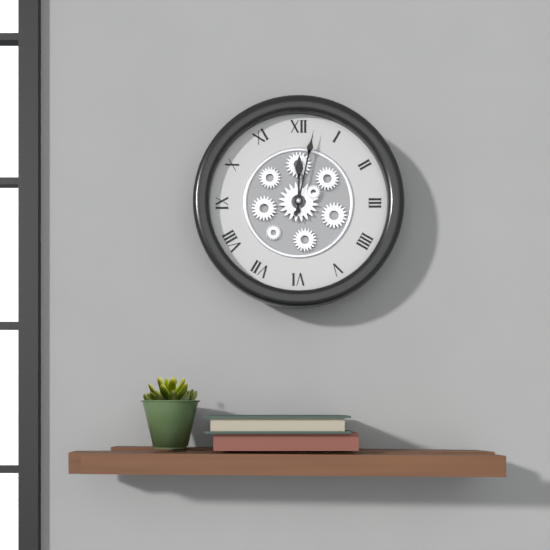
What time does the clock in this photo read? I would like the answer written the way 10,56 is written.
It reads 12,02
